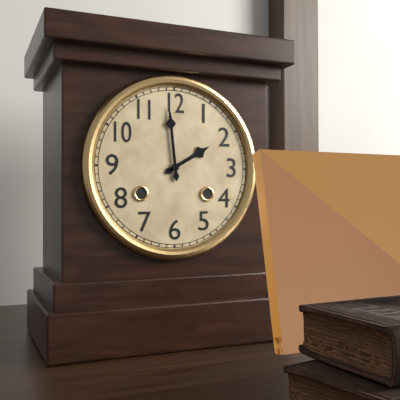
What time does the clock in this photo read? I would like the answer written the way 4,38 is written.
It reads 1,59
